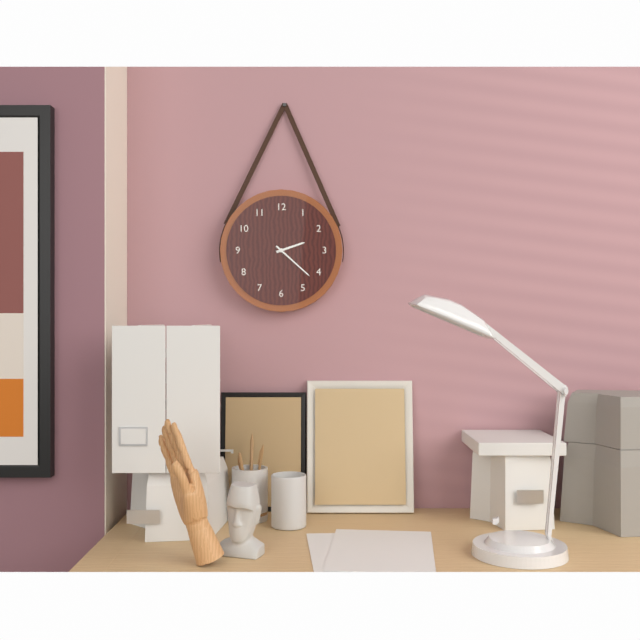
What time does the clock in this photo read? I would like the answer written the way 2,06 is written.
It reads 2,22
